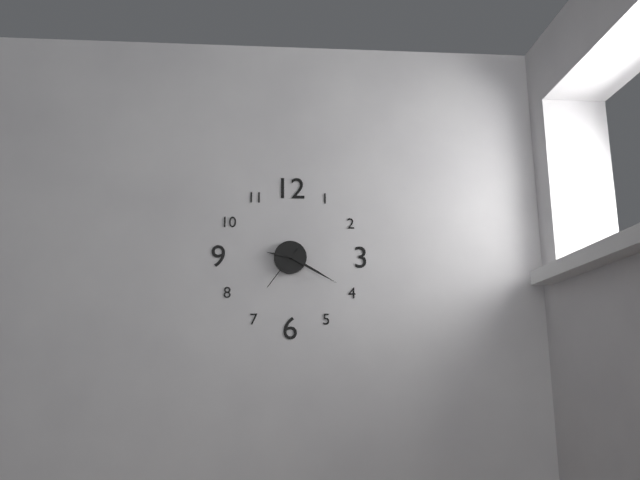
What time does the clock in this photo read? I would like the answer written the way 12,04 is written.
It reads 9,20
